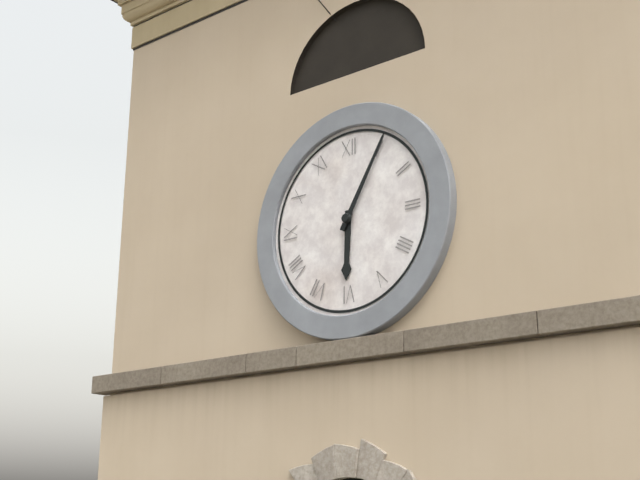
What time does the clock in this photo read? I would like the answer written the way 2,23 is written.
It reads 6,05
